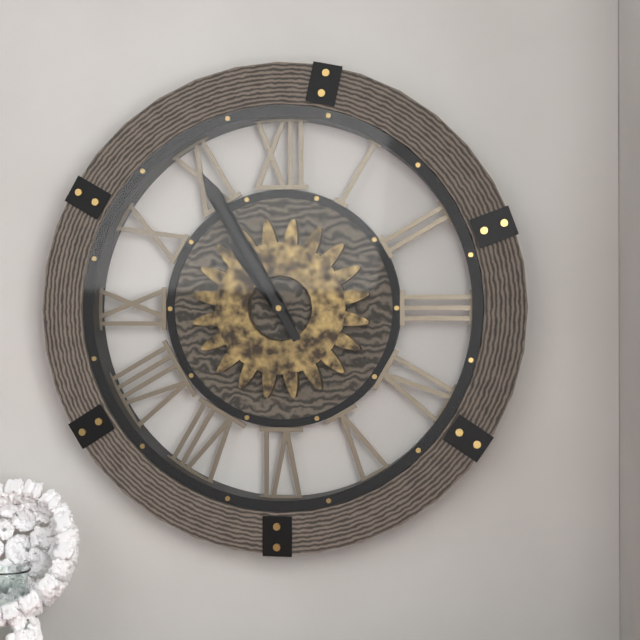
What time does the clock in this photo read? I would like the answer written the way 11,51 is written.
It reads 10,55
